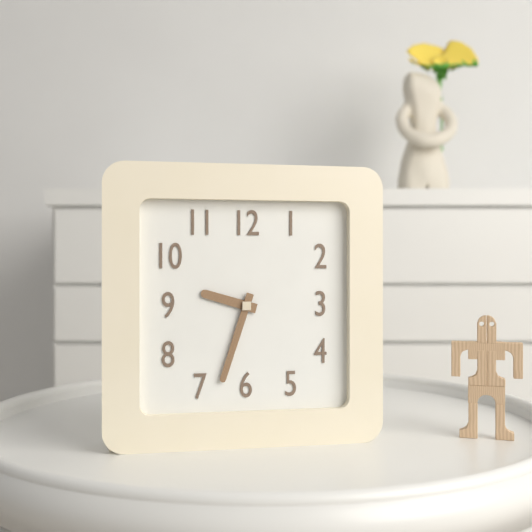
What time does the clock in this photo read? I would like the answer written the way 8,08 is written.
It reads 9,33
